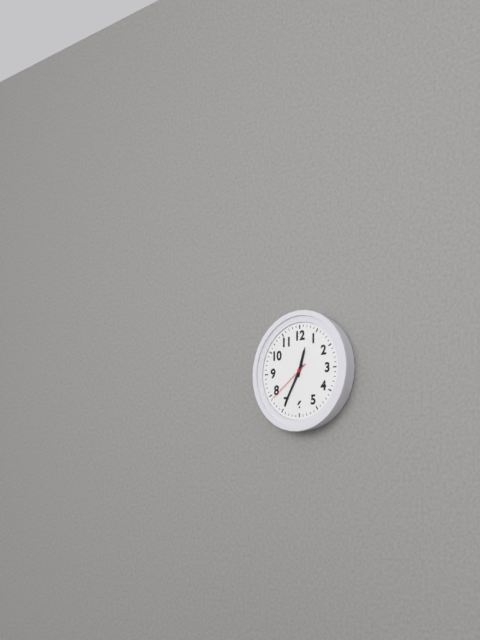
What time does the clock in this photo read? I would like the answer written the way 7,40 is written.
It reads 12,35
